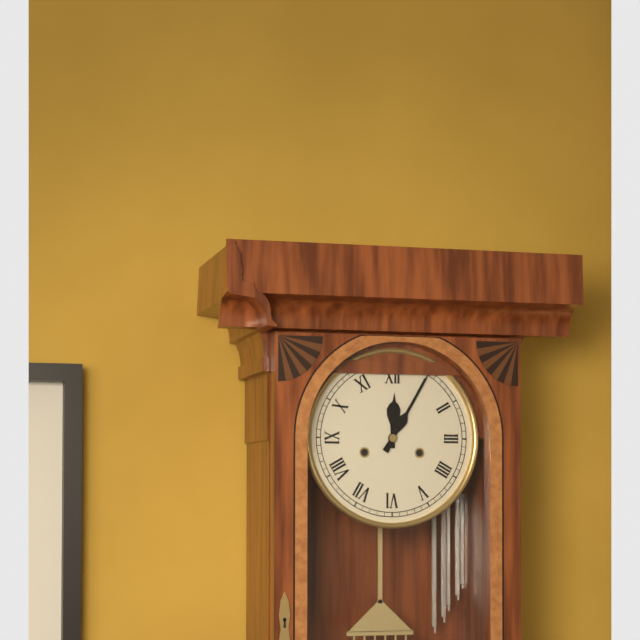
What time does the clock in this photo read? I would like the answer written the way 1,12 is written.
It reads 12,05
